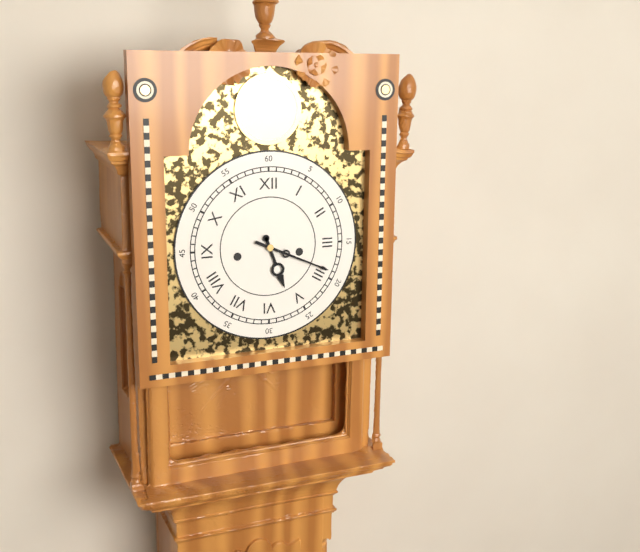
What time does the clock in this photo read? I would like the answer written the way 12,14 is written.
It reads 5,19
